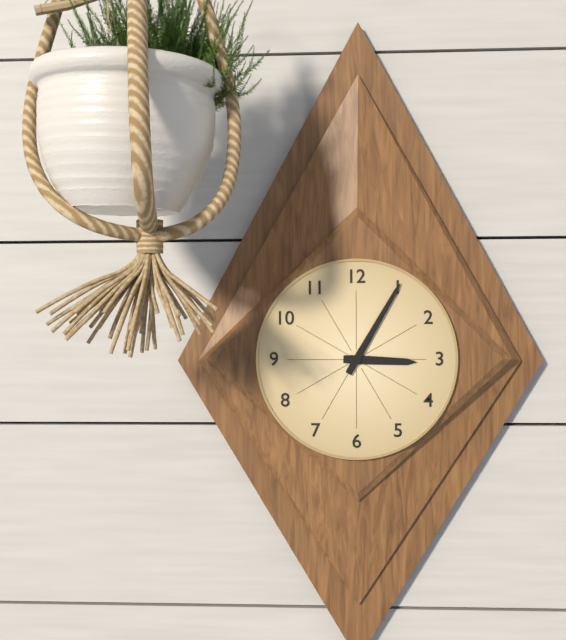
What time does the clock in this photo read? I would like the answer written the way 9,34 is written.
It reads 3,05
